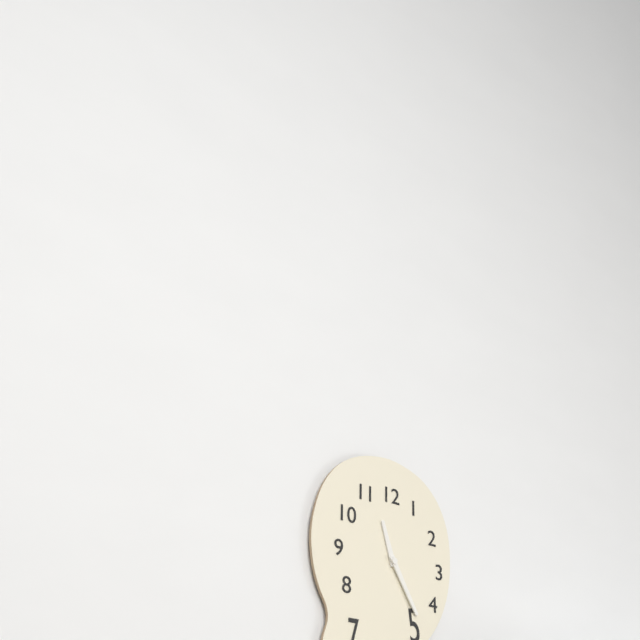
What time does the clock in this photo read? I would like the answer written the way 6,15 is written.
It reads 11,25
